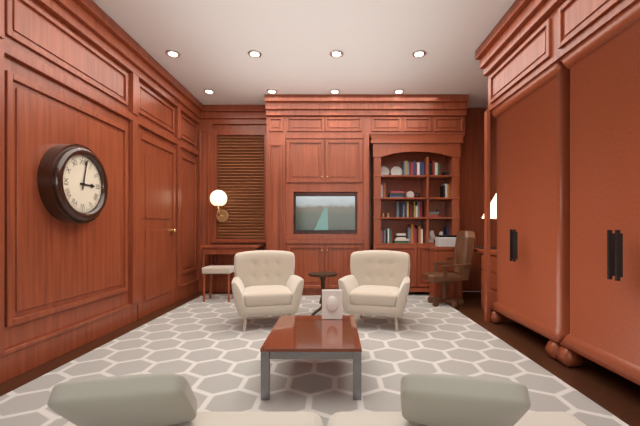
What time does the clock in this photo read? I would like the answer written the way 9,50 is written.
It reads 3,02
